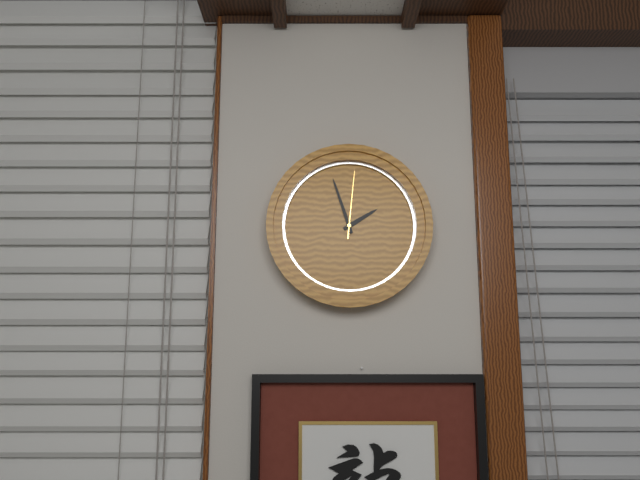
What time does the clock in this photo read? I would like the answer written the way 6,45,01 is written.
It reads 1,57,01
